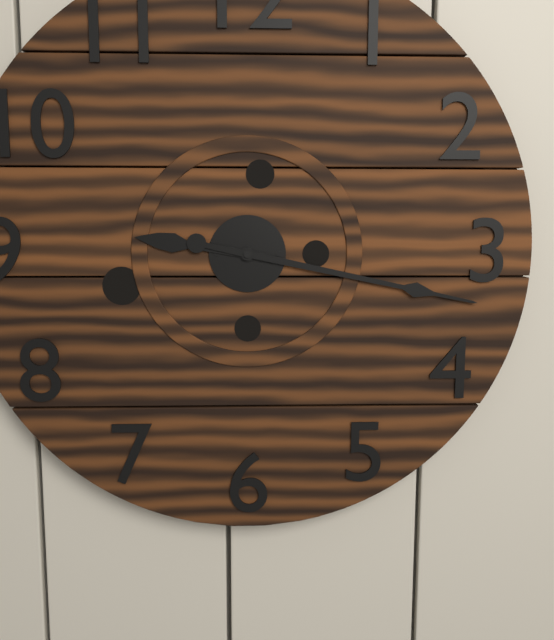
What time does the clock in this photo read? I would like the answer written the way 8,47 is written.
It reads 9,17
